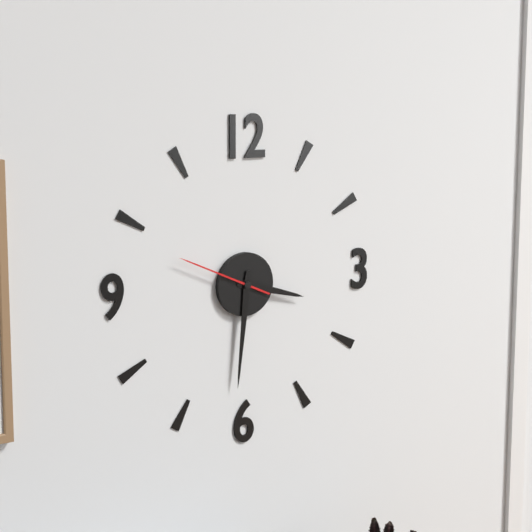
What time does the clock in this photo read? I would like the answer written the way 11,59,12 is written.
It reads 3,31,49
